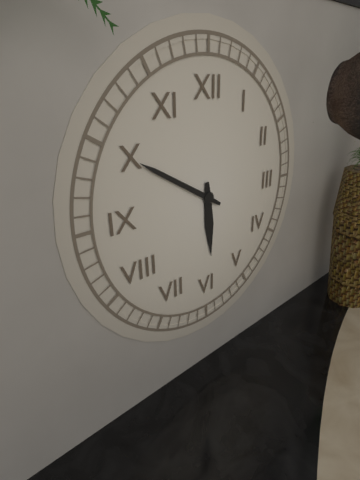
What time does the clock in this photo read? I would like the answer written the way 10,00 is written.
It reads 5,50
